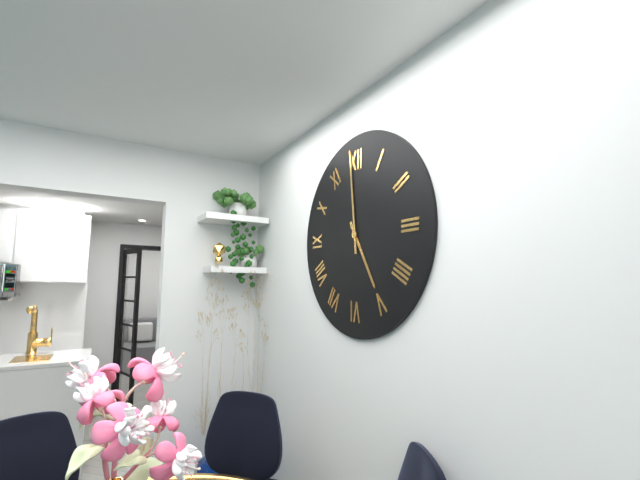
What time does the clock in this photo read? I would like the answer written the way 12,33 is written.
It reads 4,59
